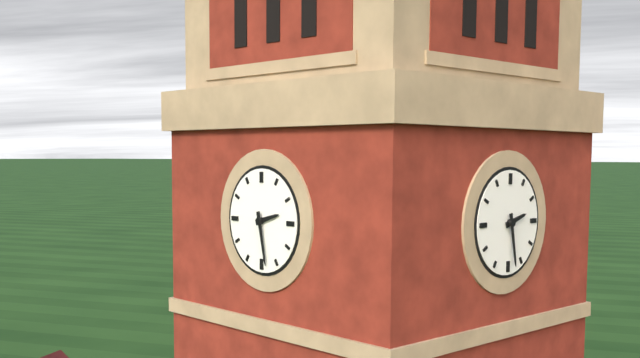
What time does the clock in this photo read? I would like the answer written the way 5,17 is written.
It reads 2,28
